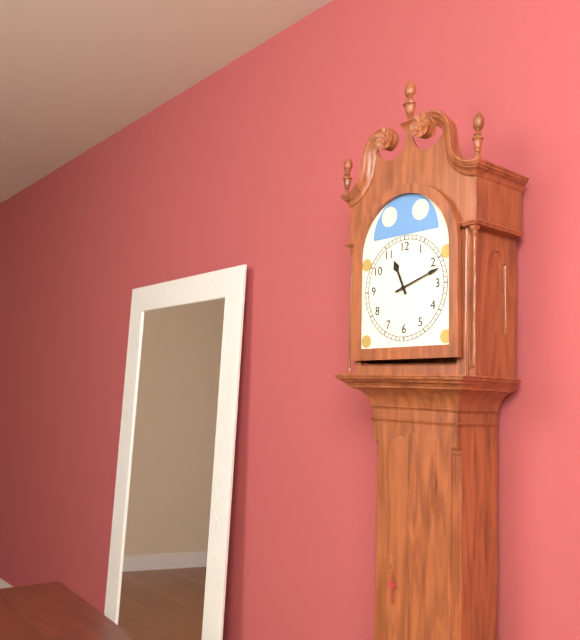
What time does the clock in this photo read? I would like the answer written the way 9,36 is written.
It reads 11,12
